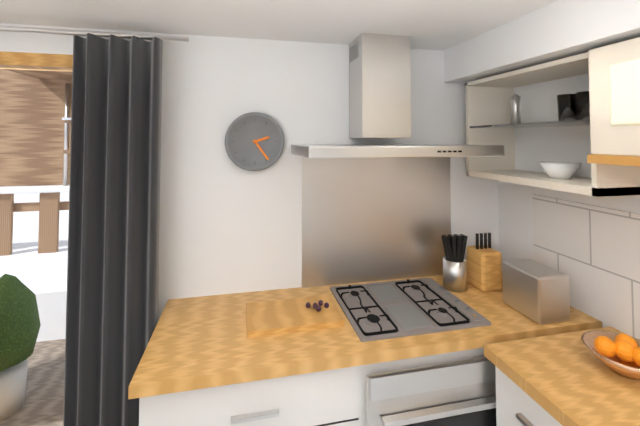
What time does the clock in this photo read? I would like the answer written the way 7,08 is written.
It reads 2,24
